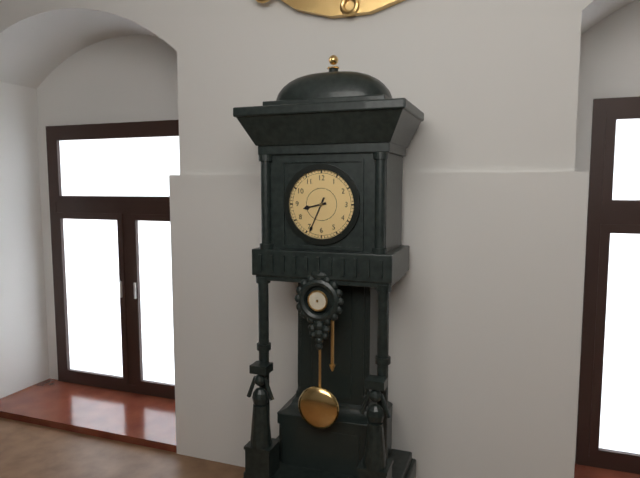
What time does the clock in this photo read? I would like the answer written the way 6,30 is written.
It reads 8,34
